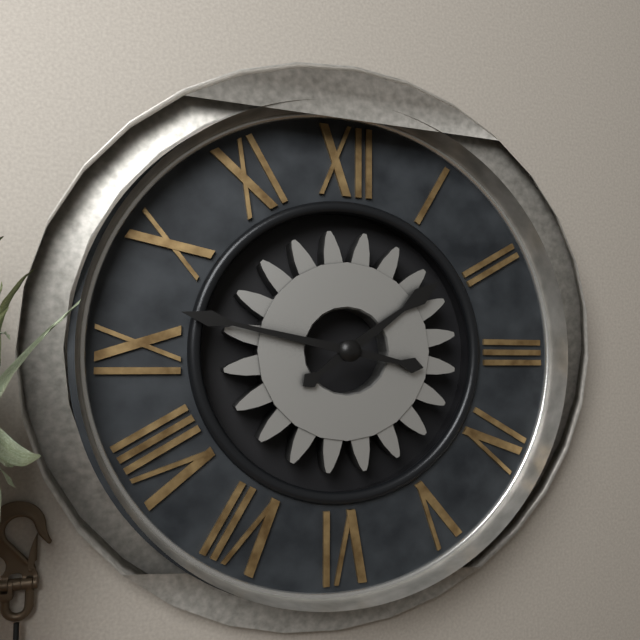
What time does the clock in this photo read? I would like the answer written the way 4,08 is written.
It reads 1,47
